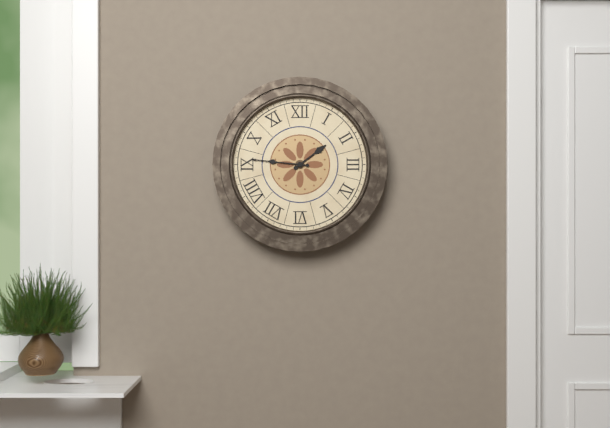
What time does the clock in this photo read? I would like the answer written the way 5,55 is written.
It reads 1,46
